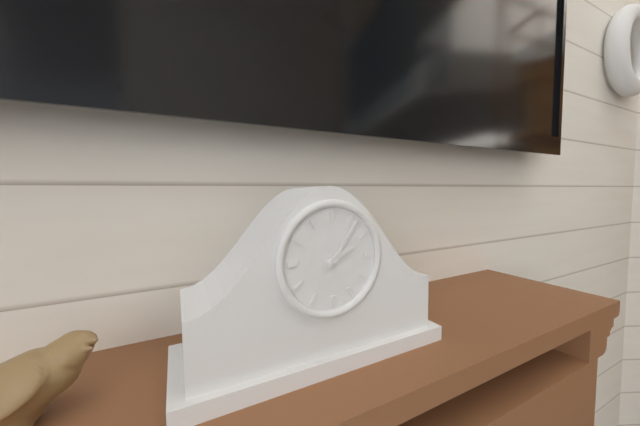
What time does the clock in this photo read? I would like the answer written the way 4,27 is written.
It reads 2,06
